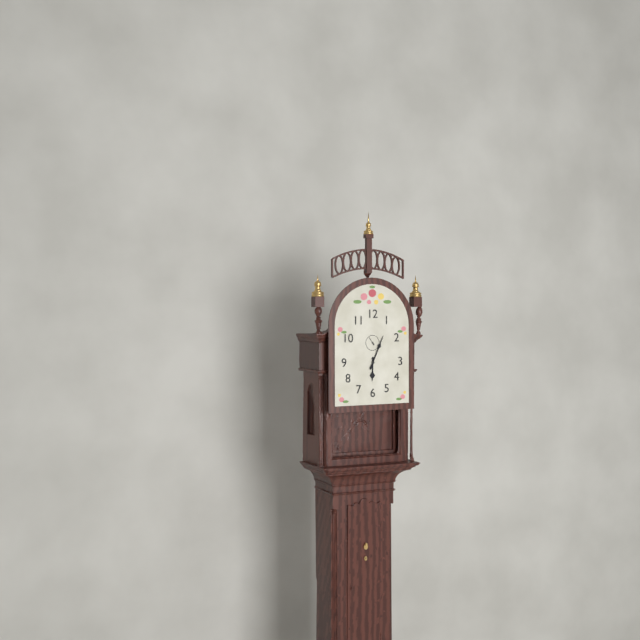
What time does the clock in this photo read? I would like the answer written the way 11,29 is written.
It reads 6,04
